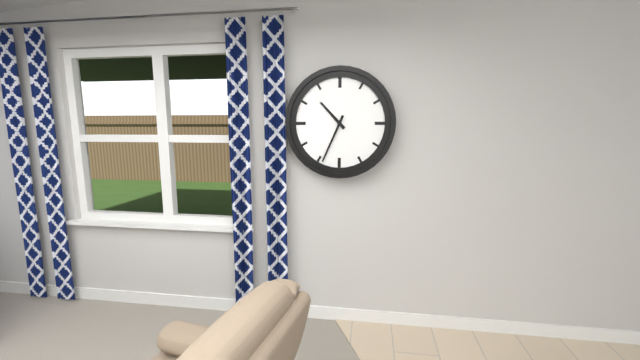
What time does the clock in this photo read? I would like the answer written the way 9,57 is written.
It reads 10,34
